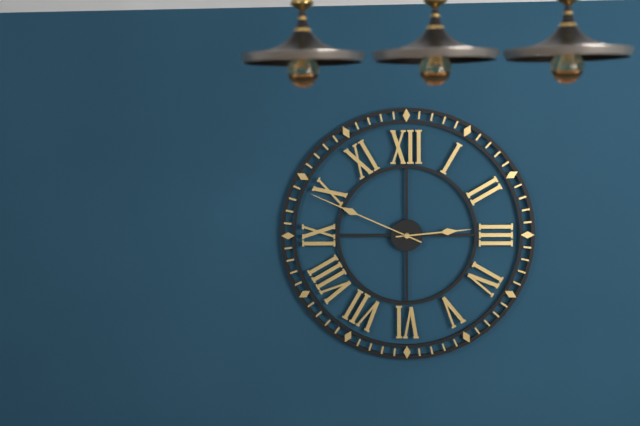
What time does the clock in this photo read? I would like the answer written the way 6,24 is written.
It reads 2,49
